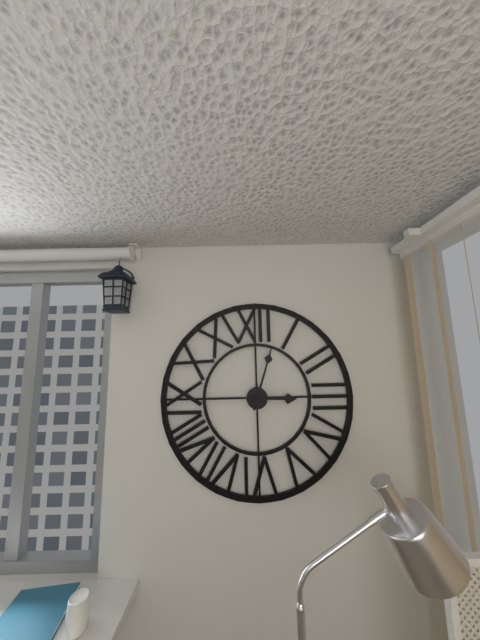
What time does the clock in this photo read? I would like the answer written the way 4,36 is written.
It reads 3,03
